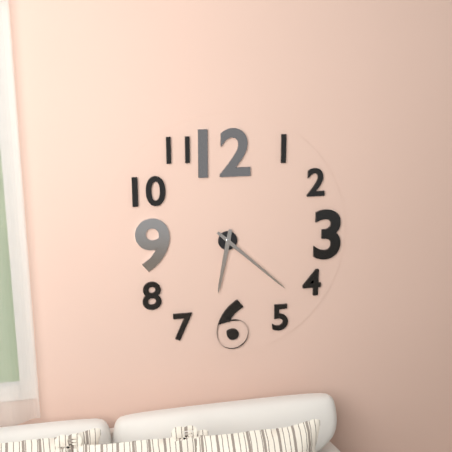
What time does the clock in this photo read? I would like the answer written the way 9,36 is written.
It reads 6,22
